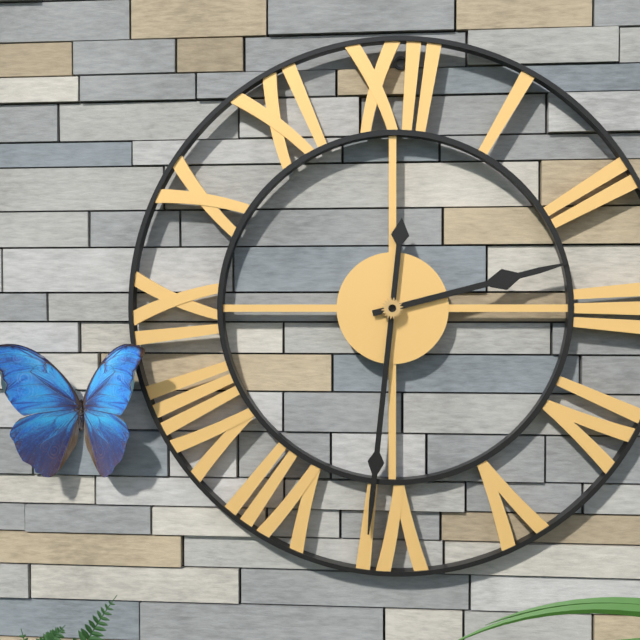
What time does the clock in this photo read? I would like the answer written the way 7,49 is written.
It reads 2,31
